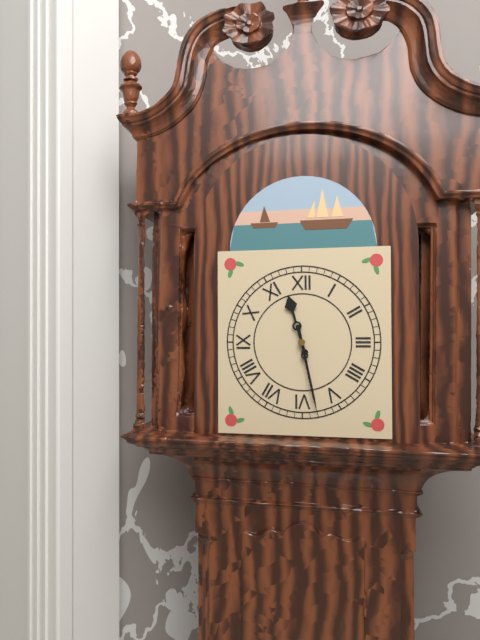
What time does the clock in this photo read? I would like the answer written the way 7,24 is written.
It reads 11,28
